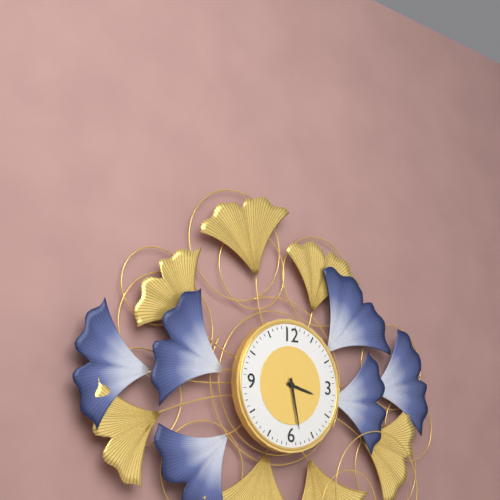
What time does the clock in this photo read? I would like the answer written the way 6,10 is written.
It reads 3,28
